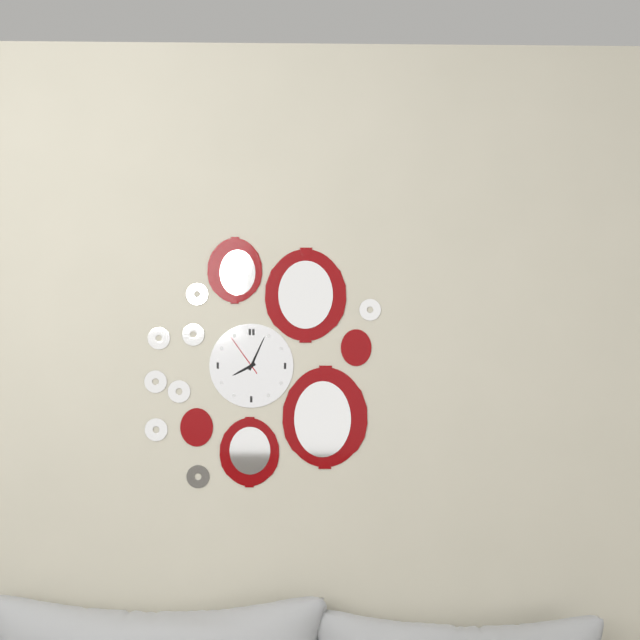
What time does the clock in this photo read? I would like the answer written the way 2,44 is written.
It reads 8,04
